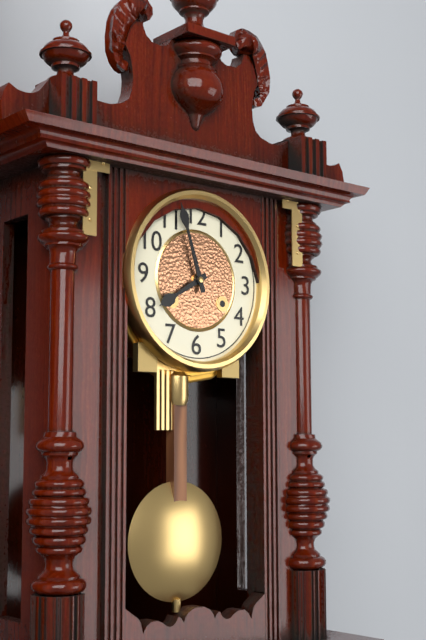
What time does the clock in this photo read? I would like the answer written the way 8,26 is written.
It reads 7,57
